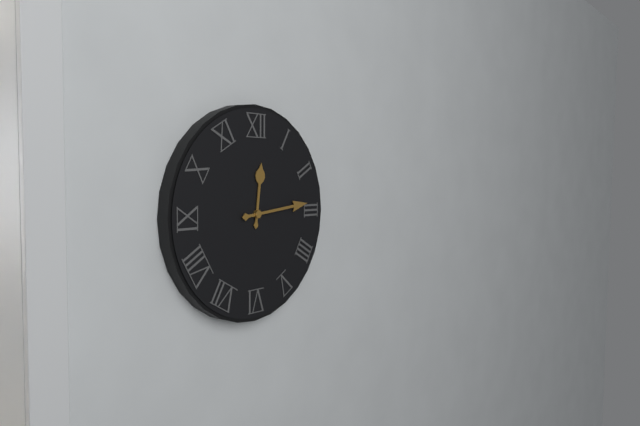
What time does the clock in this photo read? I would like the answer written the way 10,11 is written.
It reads 12,14
